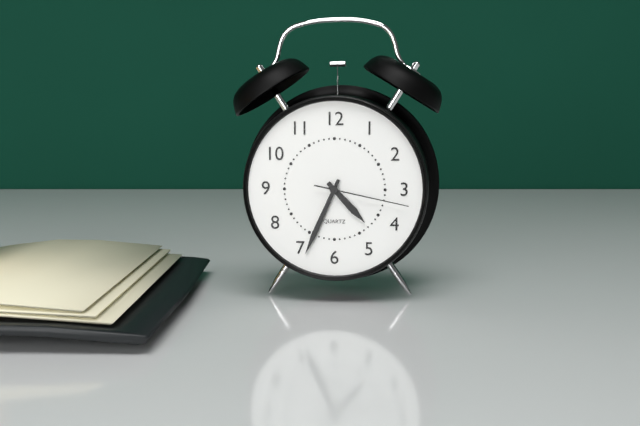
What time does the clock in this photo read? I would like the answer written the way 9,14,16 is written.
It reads 4,34,17
